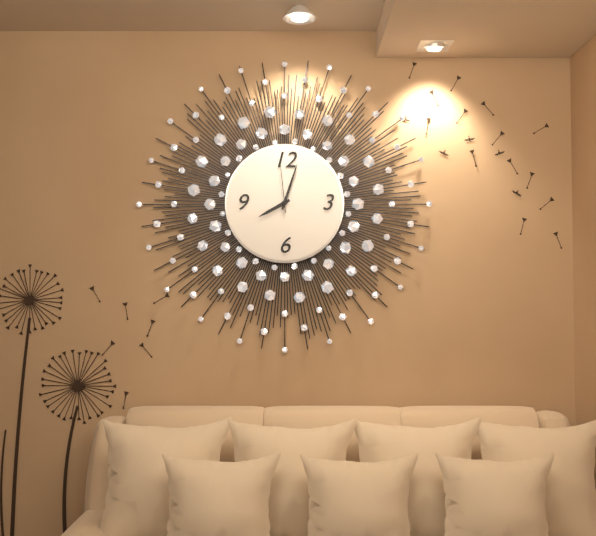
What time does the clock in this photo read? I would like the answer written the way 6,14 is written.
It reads 8,03
